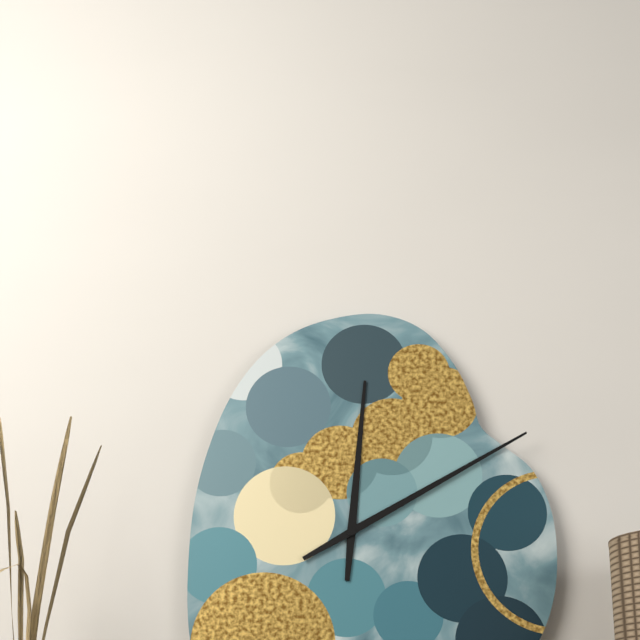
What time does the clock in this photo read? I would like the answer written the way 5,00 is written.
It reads 12,10
